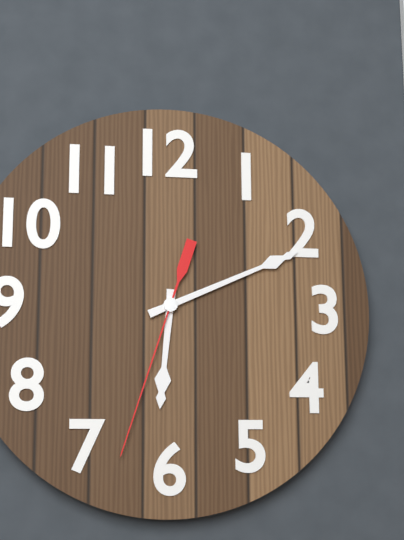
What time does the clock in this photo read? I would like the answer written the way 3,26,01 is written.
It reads 6,11,33
